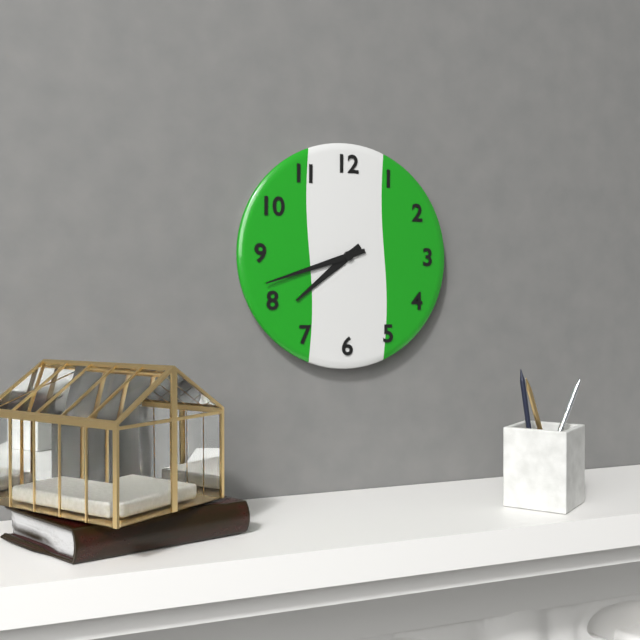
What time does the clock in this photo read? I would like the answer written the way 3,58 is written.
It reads 7,42
